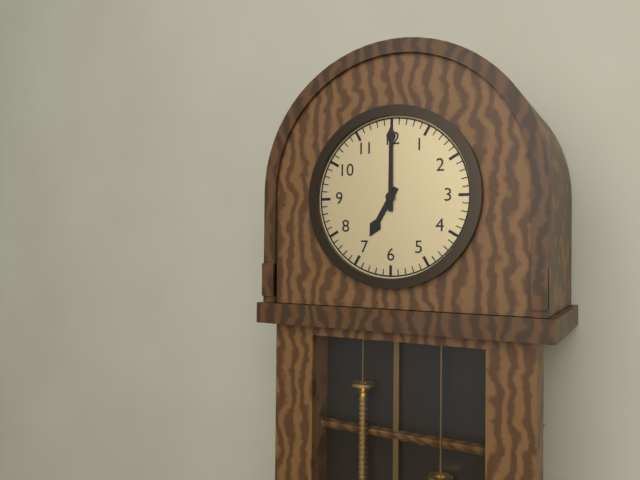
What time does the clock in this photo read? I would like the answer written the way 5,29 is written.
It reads 7,00
